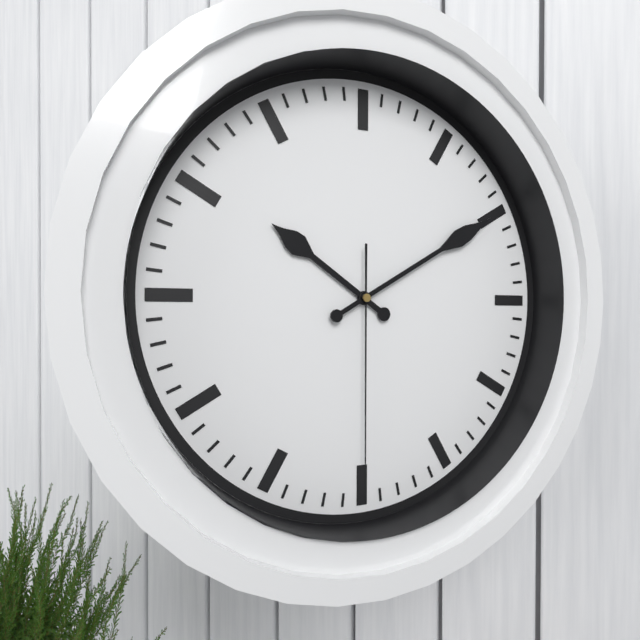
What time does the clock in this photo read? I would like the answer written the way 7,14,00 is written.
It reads 10,10,30
